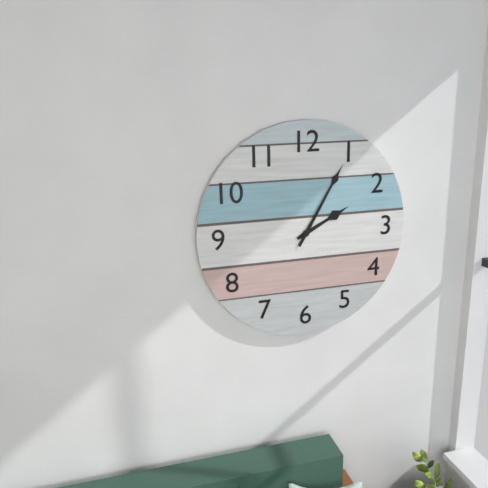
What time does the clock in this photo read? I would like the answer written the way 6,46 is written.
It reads 2,05
